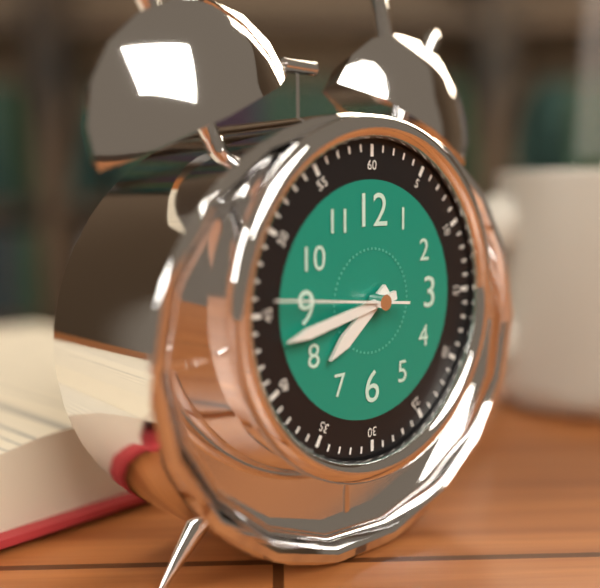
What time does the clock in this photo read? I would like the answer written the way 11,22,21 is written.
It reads 7,43,46
